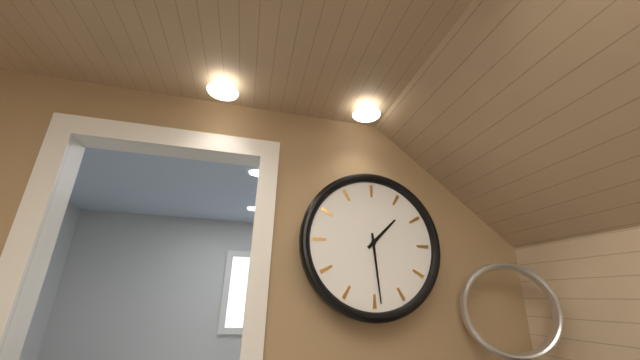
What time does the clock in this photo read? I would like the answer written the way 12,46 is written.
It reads 1,29
